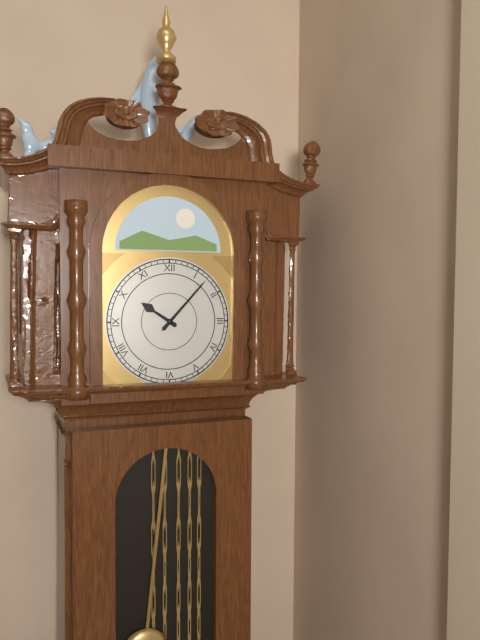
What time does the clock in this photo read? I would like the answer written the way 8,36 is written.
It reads 10,07
